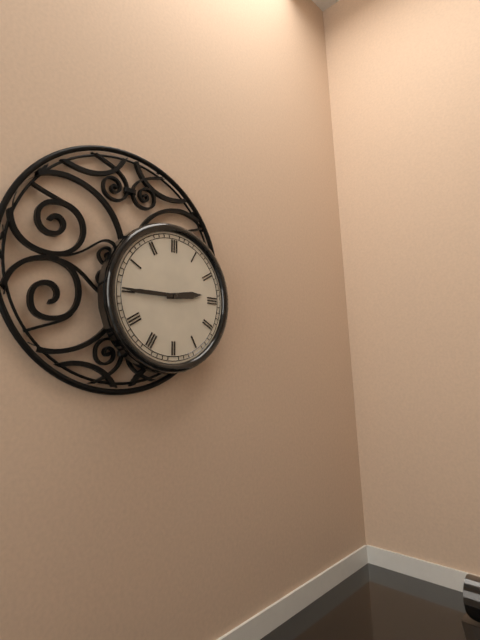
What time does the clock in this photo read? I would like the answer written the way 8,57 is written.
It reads 2,45
